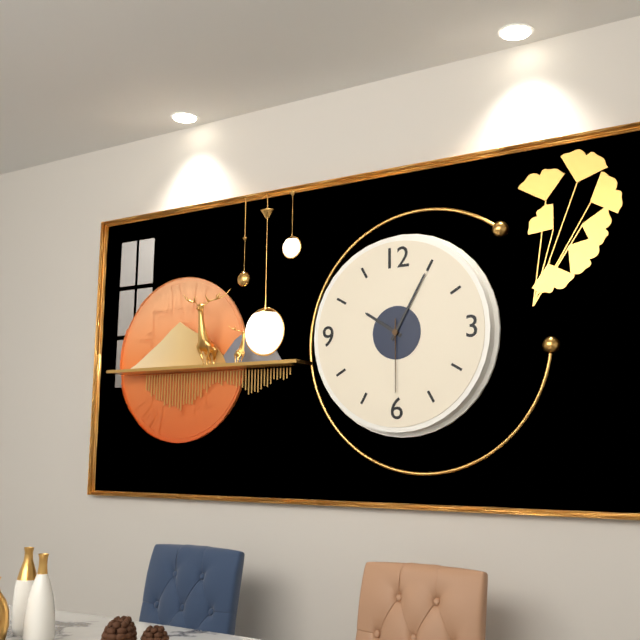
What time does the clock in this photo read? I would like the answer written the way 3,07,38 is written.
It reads 10,05,30
